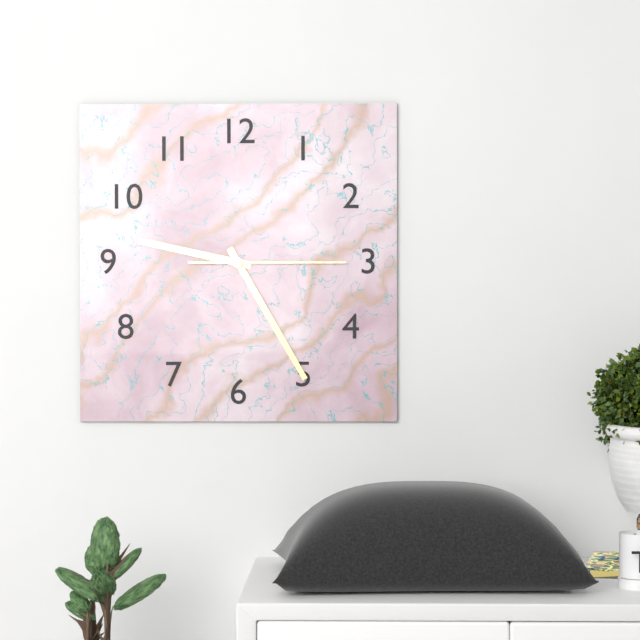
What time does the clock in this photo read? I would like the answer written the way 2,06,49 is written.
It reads 9,25,15
